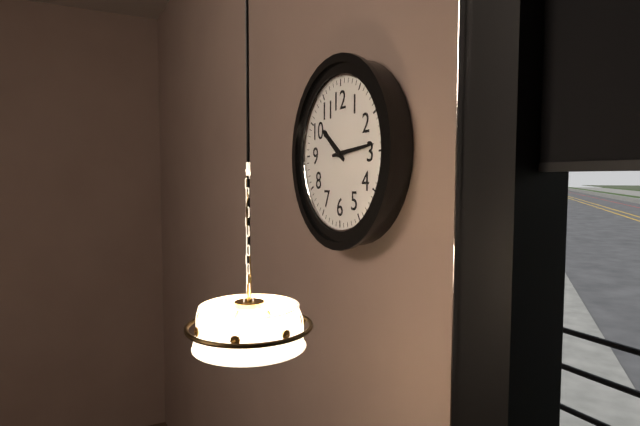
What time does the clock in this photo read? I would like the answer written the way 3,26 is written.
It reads 10,14
